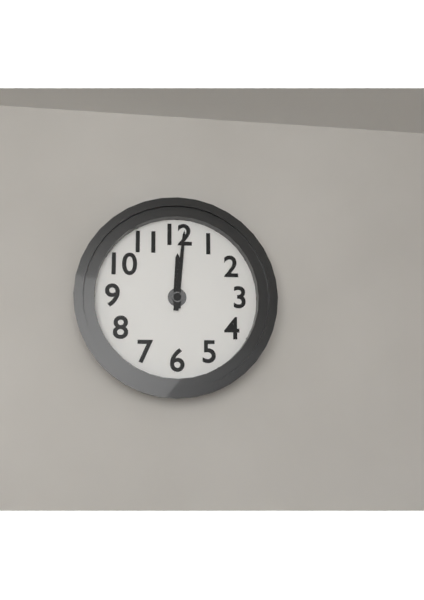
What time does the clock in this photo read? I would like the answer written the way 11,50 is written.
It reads 12,01
